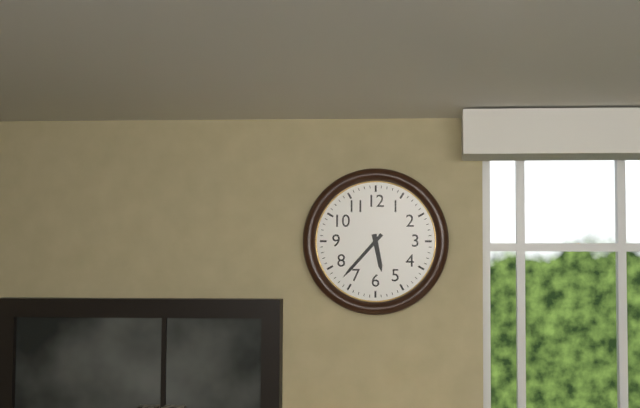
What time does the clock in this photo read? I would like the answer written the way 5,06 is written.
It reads 5,37
